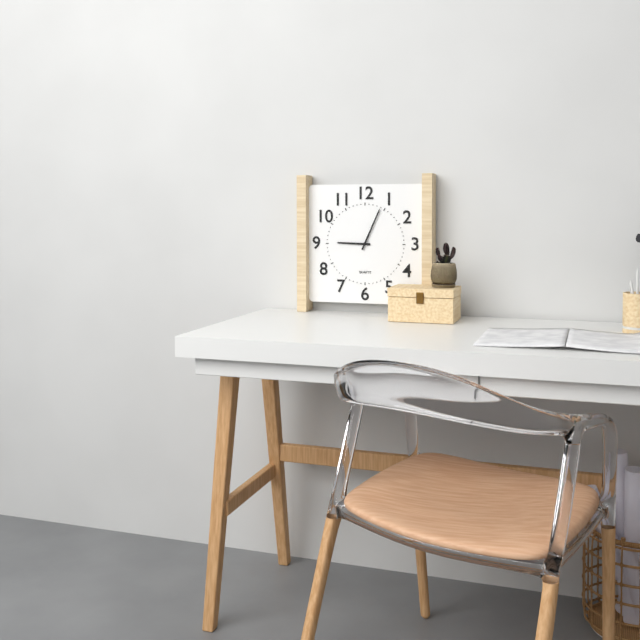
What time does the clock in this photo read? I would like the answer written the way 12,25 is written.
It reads 9,04
